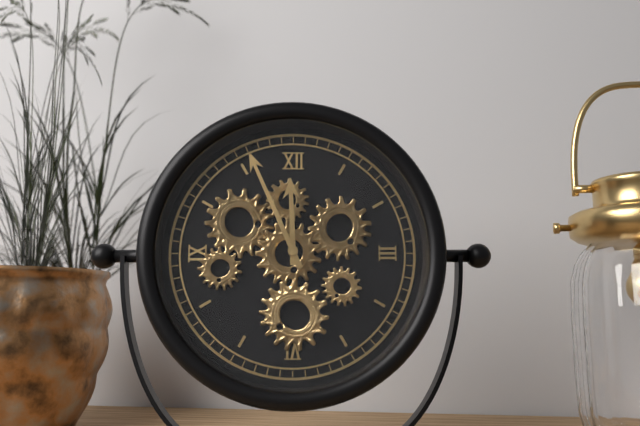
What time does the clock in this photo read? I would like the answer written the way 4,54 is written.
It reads 11,56
